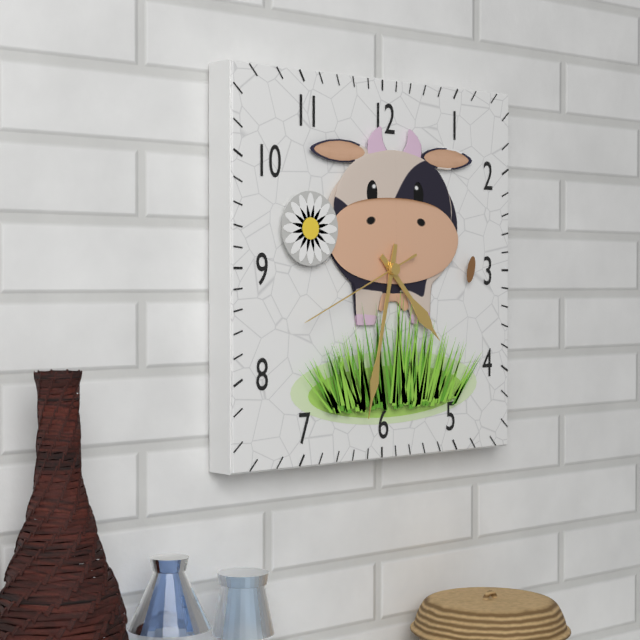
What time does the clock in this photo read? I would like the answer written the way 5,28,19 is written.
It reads 4,32,41
